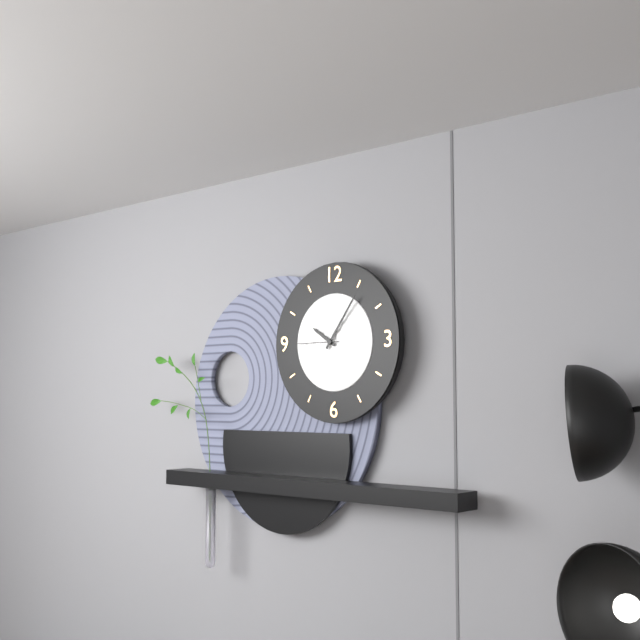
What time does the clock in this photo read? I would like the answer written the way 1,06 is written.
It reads 10,06
